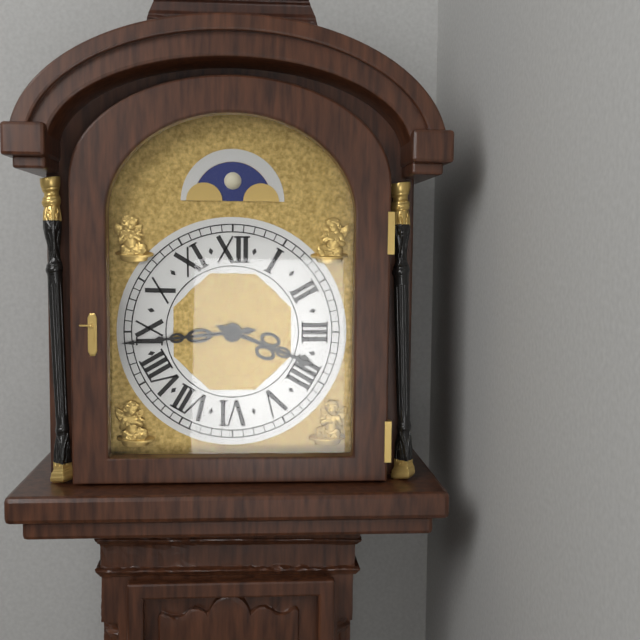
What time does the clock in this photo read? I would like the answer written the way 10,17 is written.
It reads 3,44
